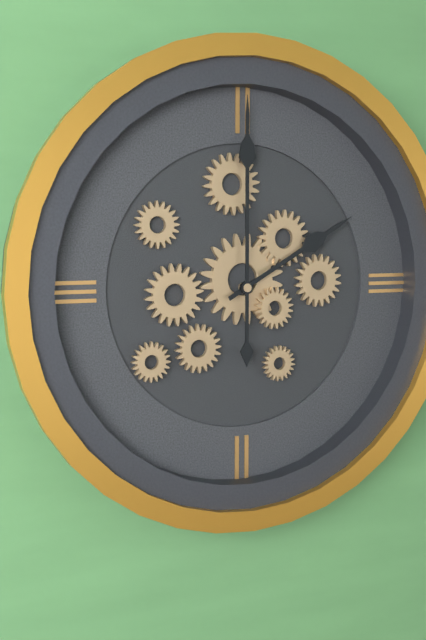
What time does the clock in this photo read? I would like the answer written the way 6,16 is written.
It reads 2,00
